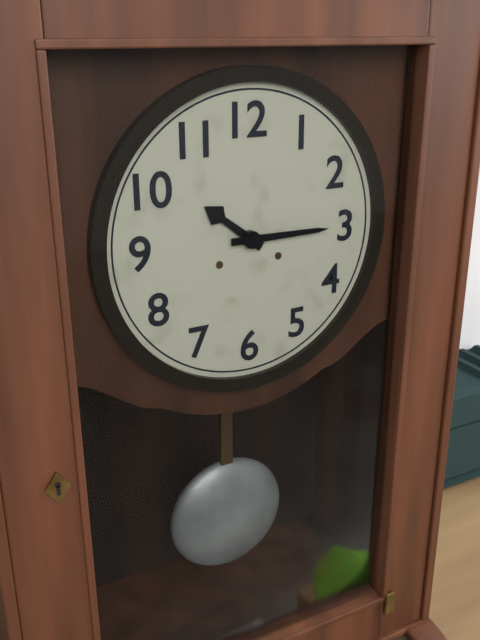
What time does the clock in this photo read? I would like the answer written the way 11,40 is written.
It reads 10,15
